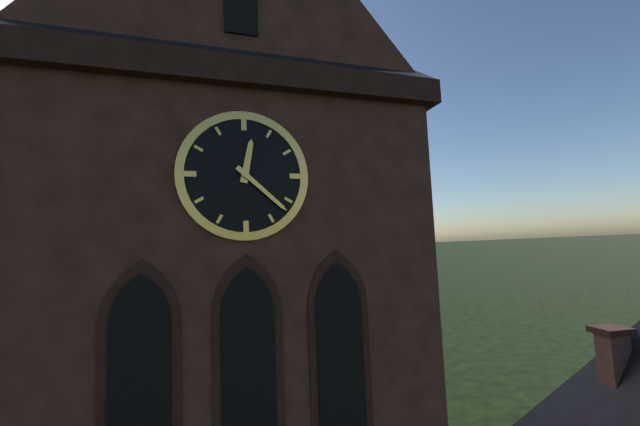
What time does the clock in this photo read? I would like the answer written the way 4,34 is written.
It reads 12,22
